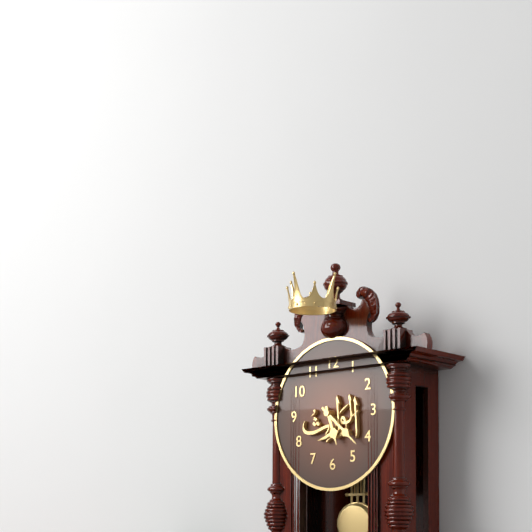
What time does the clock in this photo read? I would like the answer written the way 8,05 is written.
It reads 5,22
